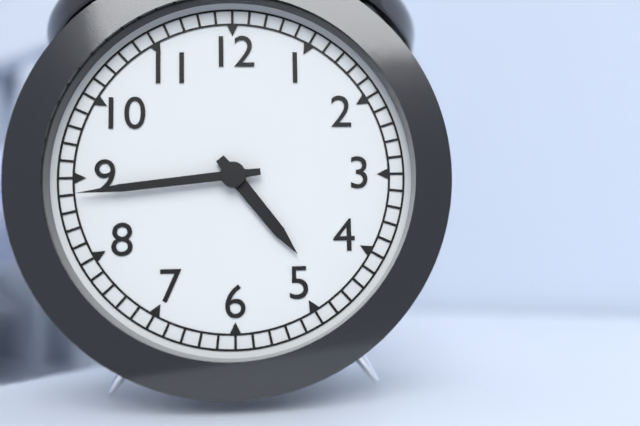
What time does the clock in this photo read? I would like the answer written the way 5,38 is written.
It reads 4,44
